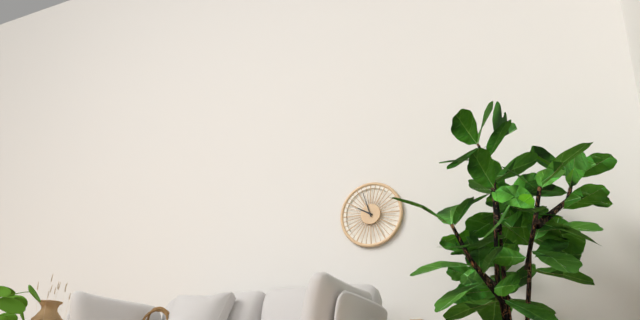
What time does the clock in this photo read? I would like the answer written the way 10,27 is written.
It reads 9,57
